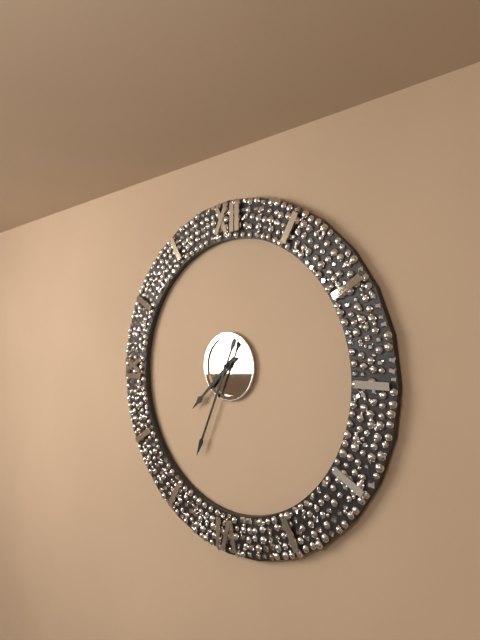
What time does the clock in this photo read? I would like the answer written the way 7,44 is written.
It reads 7,34
